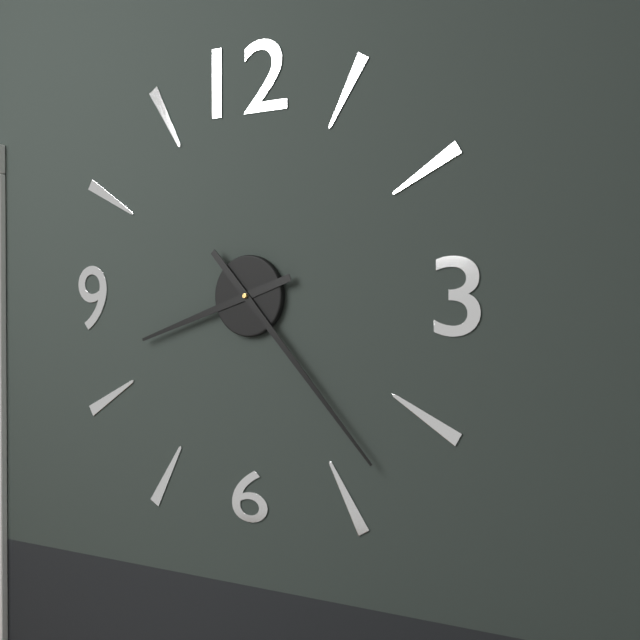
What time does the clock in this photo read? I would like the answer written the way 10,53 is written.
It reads 8,23
